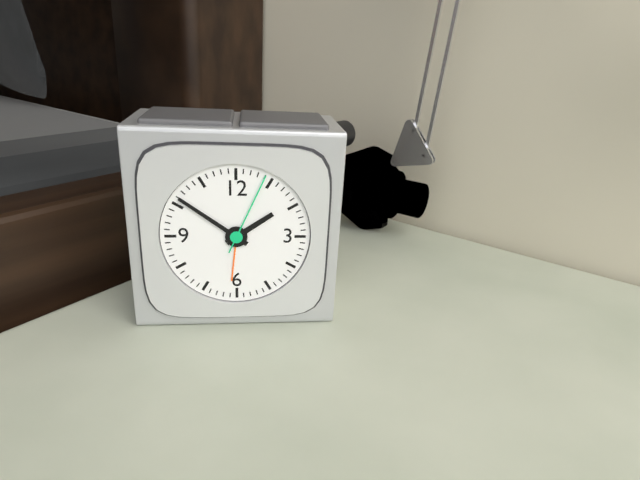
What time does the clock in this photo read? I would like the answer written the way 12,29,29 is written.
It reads 1,51,04
